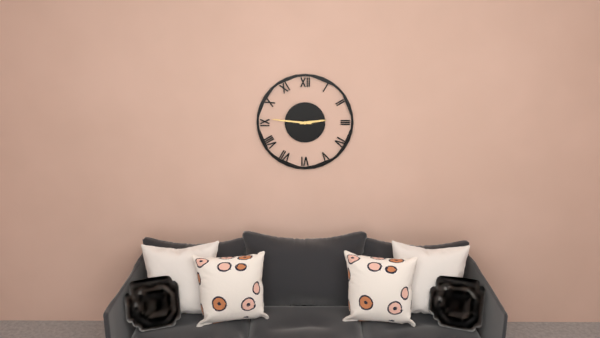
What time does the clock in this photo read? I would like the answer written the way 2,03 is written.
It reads 2,46
